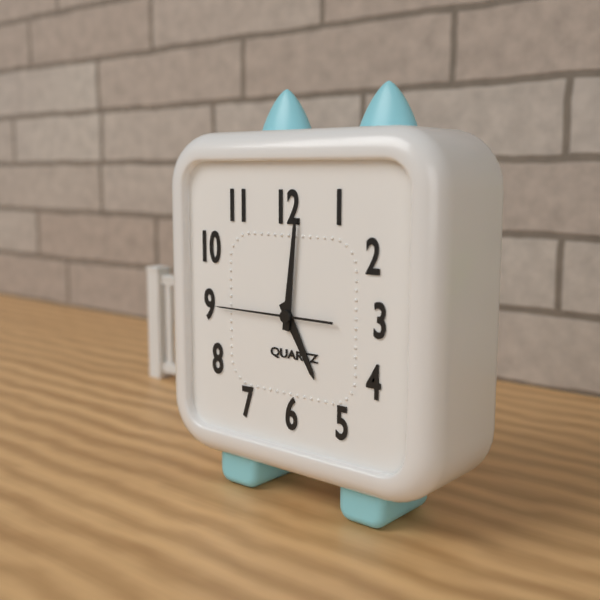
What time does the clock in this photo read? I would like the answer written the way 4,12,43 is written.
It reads 5,01,45
